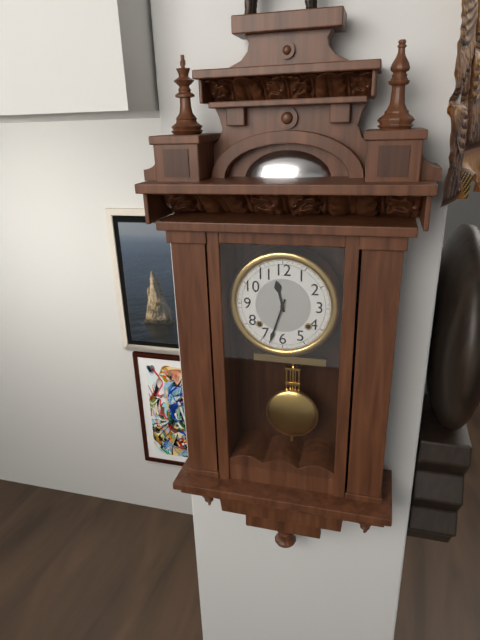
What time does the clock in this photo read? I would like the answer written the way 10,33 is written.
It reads 11,33
